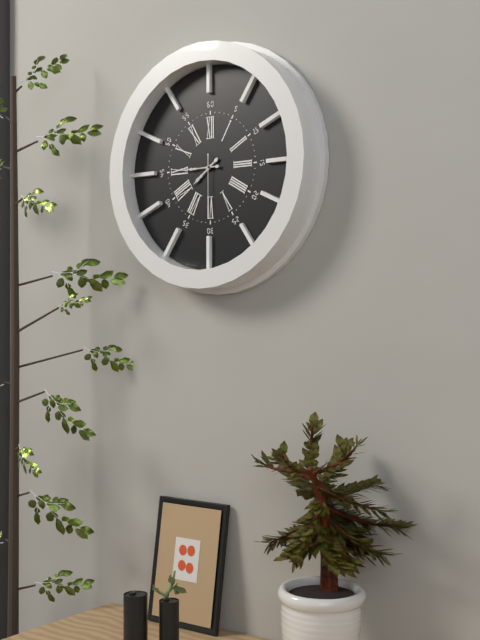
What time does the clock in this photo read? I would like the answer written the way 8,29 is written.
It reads 7,45
